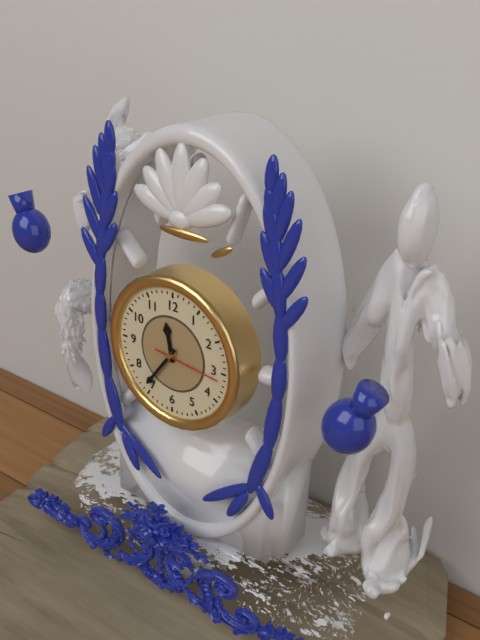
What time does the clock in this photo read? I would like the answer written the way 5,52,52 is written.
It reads 11,36,16
